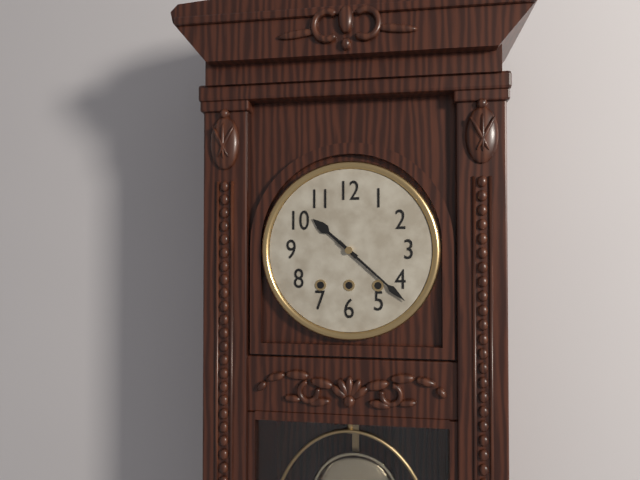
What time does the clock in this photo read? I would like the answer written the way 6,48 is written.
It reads 10,22
